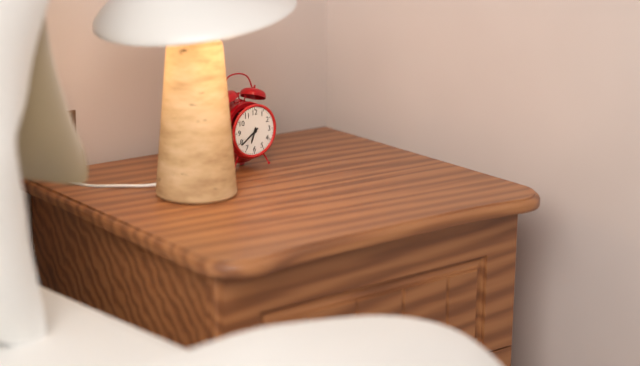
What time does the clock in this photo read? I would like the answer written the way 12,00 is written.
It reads 6,39
